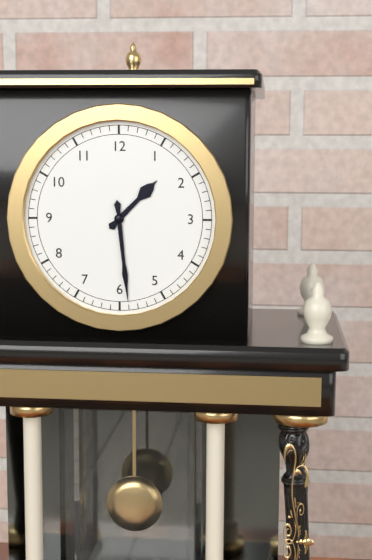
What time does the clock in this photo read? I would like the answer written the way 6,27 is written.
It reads 1,29
